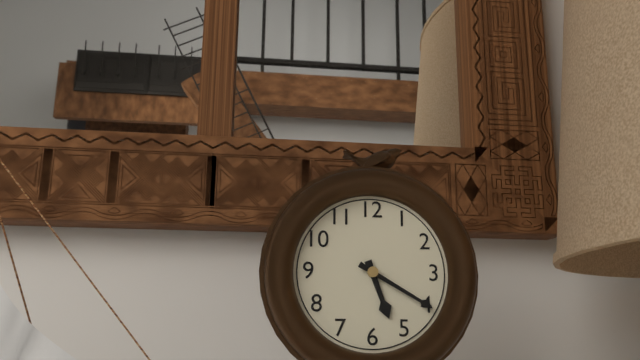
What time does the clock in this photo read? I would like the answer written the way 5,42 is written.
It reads 5,20
